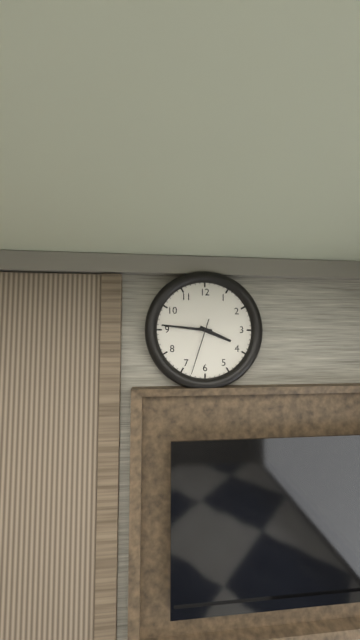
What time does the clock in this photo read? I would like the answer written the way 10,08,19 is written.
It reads 3,46,33
